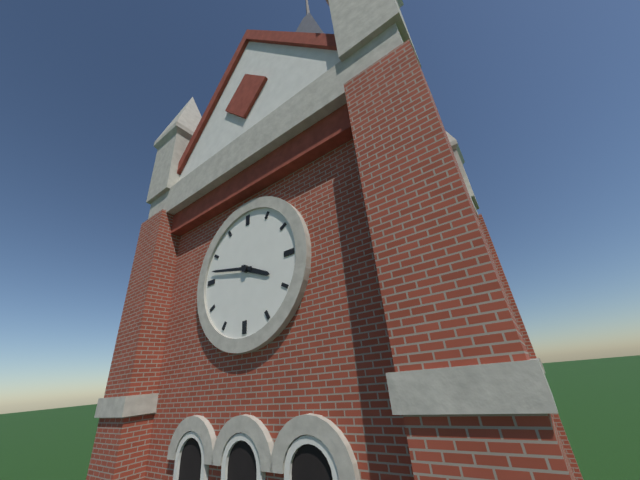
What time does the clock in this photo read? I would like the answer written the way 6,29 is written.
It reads 3,47
